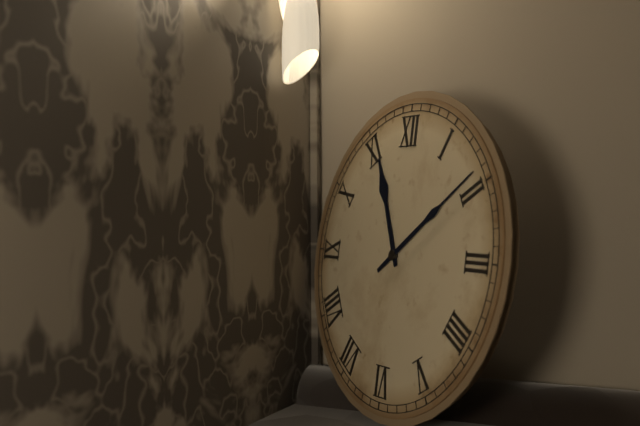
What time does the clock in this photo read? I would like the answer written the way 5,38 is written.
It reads 11,09
